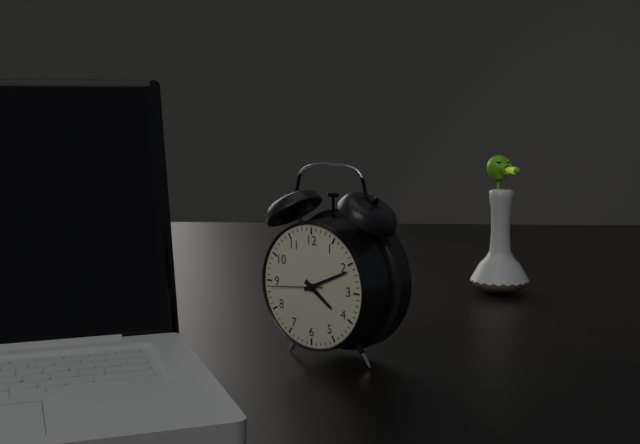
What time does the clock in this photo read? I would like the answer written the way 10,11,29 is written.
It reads 4,11,44
